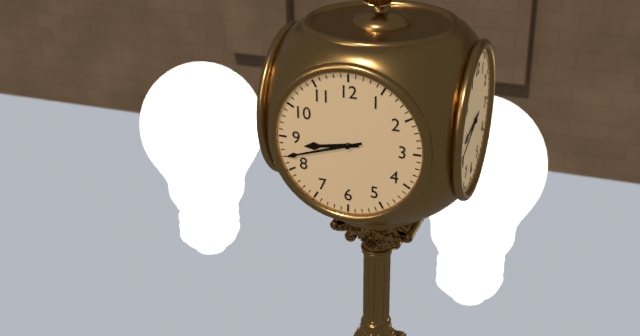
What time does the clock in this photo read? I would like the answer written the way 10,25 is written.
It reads 8,42
